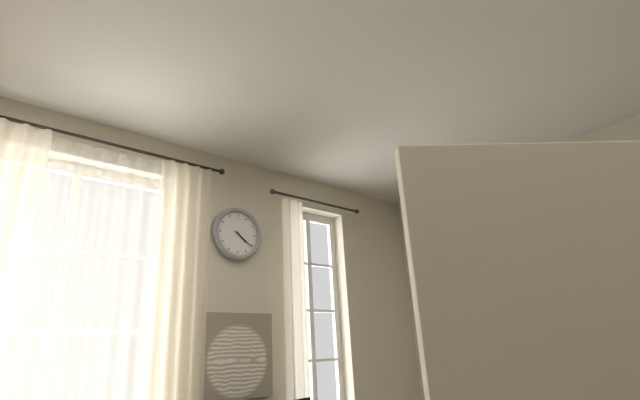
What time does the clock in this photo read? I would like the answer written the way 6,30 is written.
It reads 4,21
